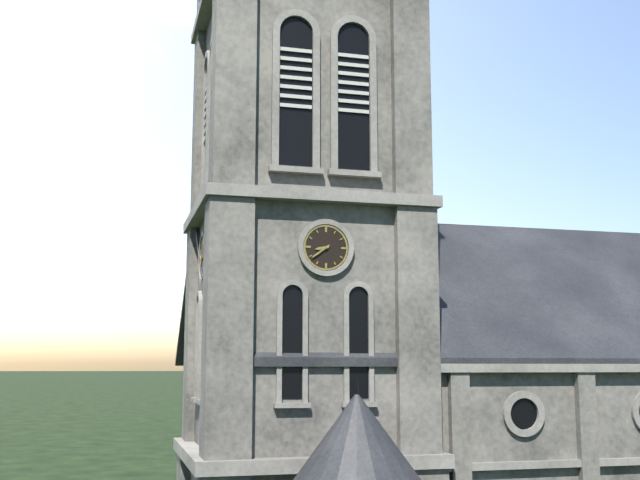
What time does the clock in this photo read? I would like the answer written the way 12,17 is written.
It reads 8,39
